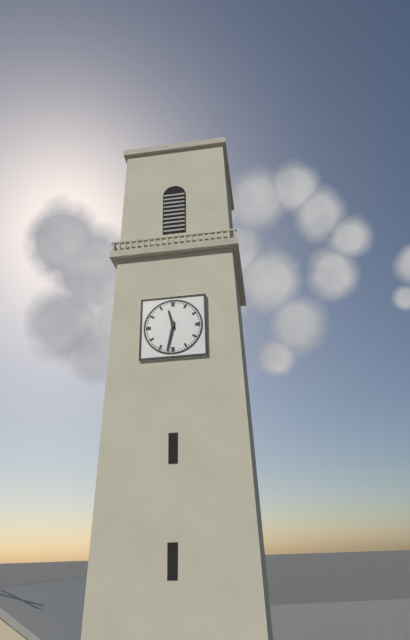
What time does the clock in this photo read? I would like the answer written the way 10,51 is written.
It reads 11,32
